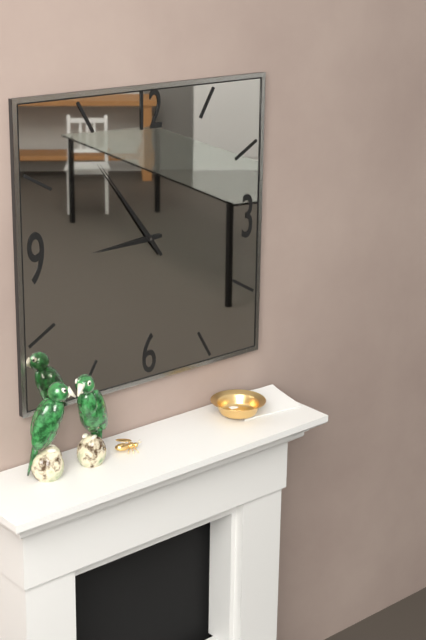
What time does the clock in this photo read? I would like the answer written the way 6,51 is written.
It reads 8,54
